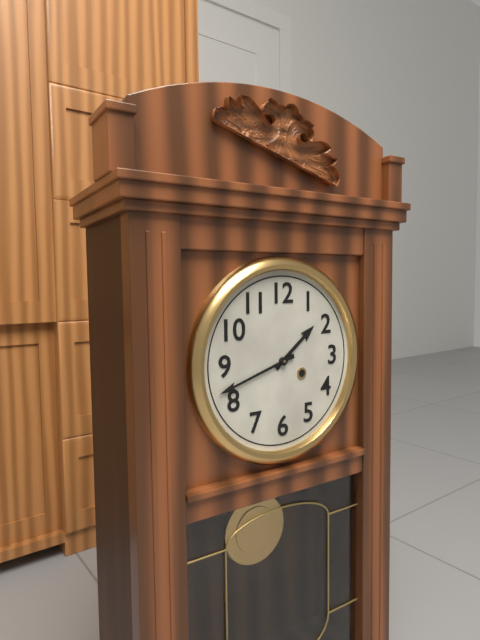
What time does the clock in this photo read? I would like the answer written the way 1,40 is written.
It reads 1,42
